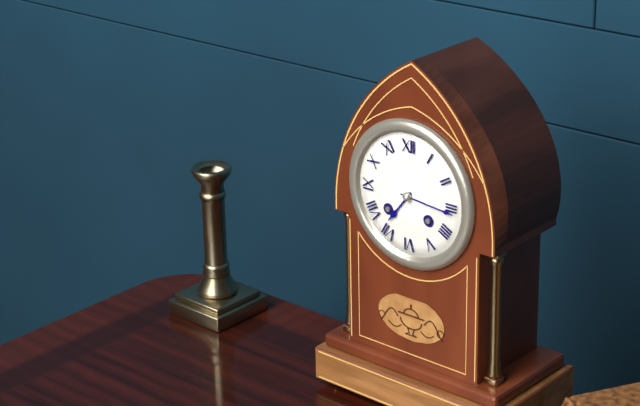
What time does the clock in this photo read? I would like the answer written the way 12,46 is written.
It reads 7,16
